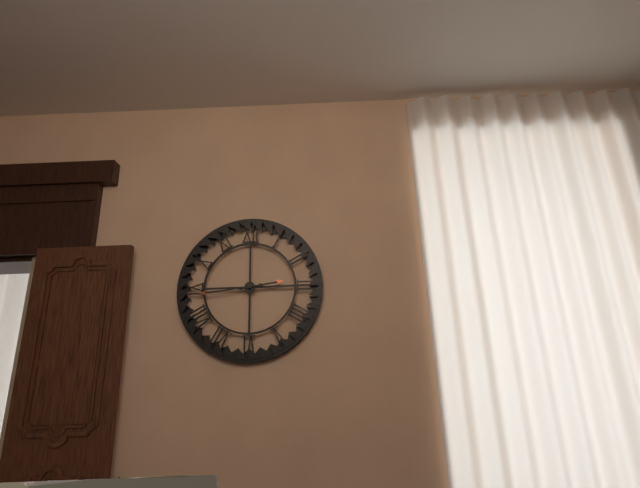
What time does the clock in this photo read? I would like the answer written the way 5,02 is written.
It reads 2,44
